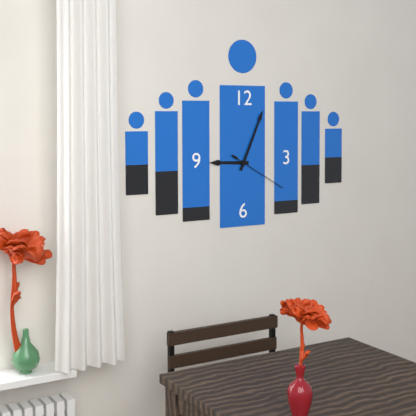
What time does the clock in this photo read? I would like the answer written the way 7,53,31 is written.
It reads 9,04,20
